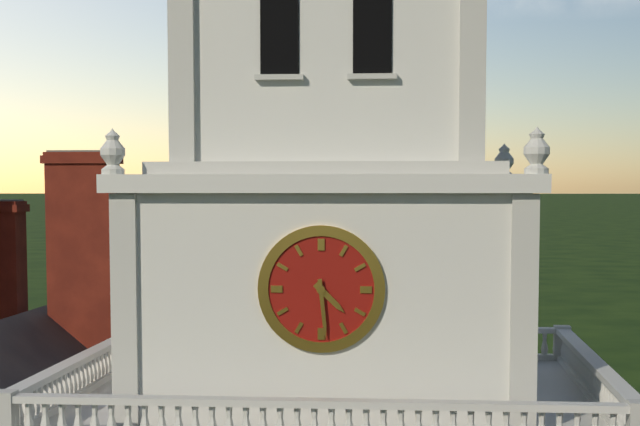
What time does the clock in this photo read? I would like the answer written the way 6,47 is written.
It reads 4,29
